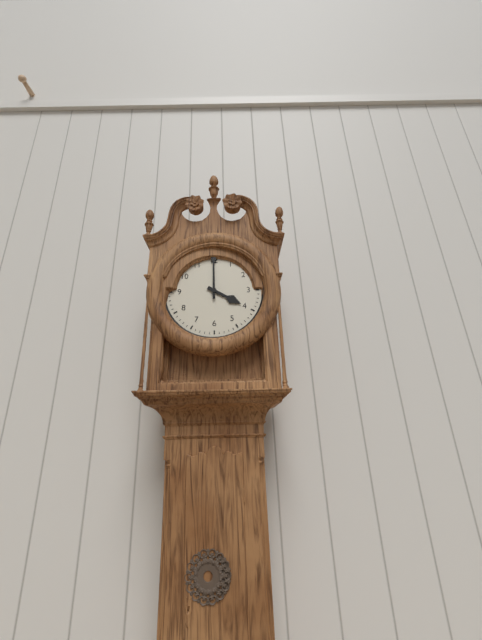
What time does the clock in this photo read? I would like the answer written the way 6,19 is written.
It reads 4,00
